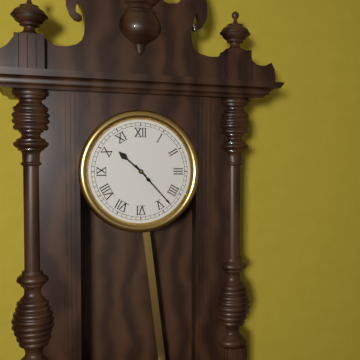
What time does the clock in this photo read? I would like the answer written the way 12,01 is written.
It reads 10,23
